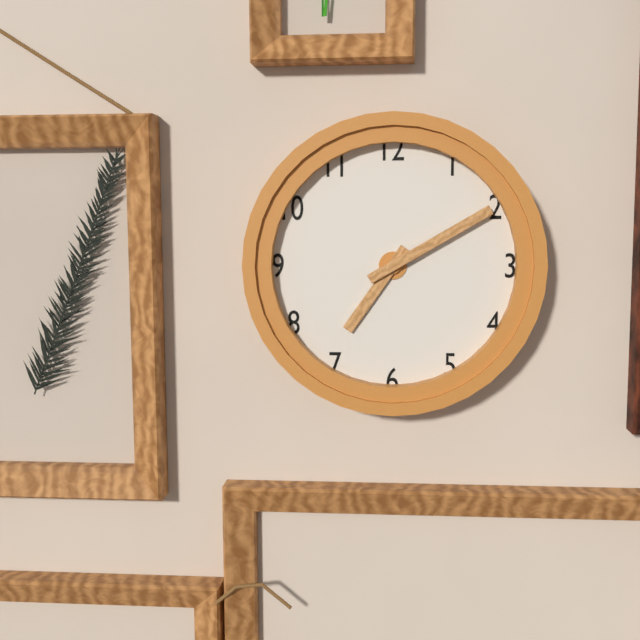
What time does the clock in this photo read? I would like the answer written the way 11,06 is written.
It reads 7,10
